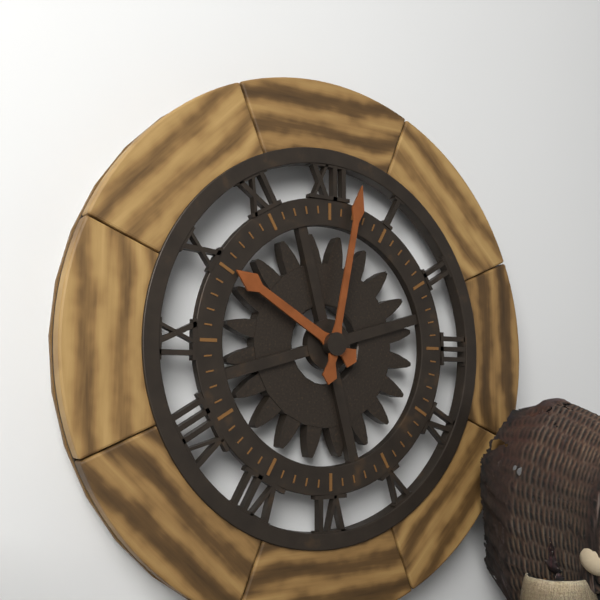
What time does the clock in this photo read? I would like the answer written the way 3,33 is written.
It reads 10,02
